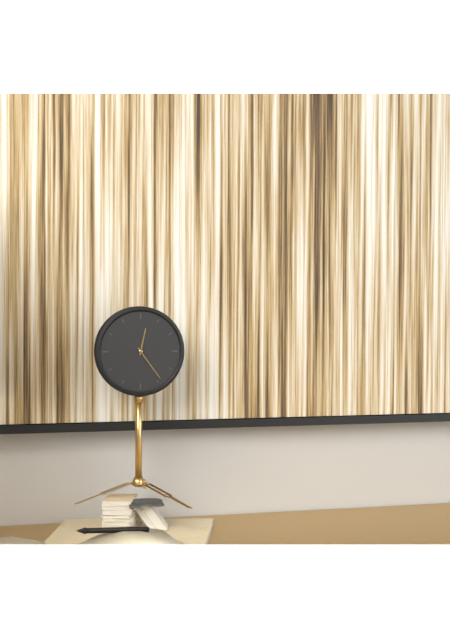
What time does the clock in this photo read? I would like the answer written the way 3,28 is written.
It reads 12,24
